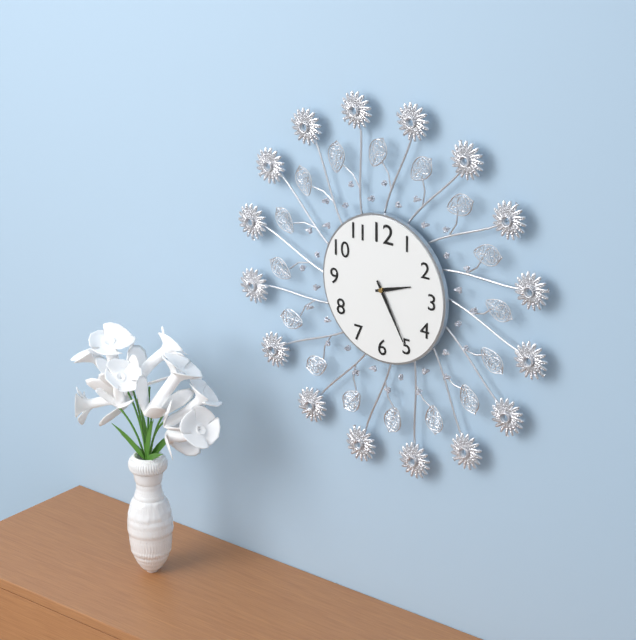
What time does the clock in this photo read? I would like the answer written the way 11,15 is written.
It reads 2,25
